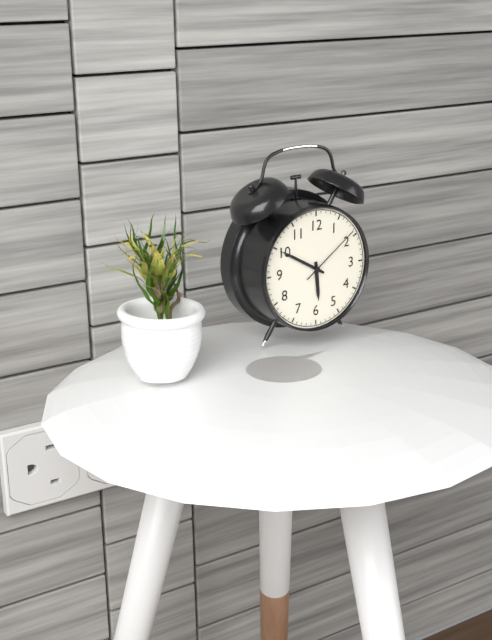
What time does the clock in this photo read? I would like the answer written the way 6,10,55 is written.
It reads 5,50,09
